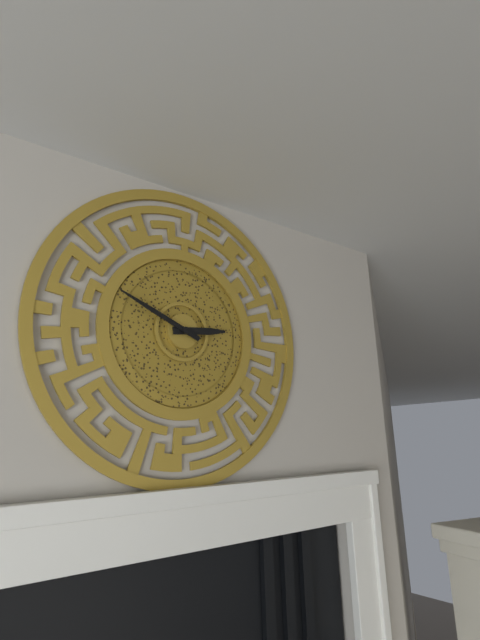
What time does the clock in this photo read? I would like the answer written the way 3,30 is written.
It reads 2,49
